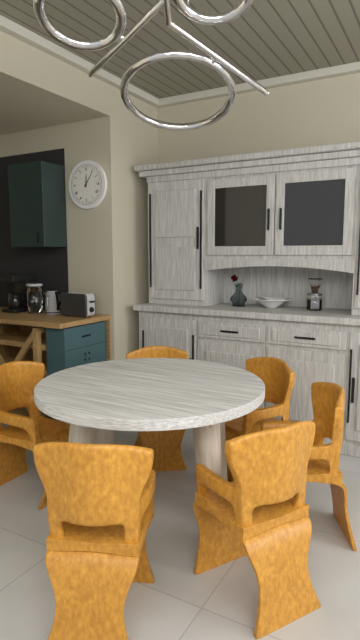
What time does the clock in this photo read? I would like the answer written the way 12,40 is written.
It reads 12,06
